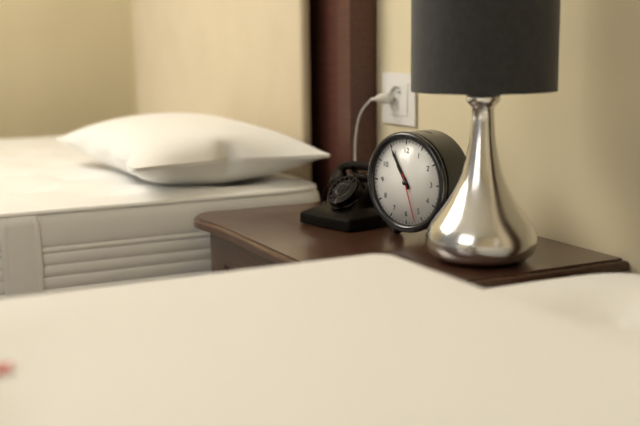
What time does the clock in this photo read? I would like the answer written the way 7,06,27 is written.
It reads 10,55,27
